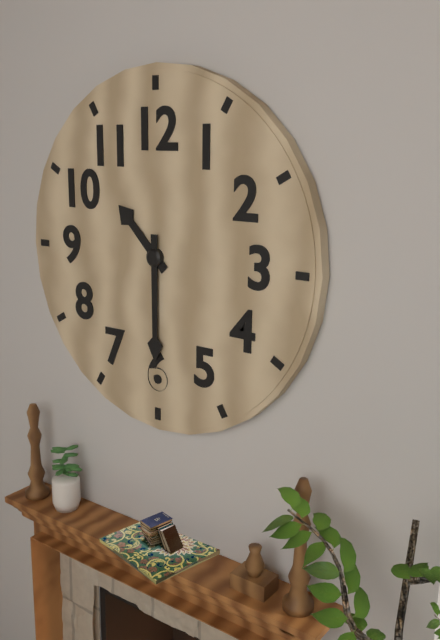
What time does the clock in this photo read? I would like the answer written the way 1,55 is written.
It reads 10,30
